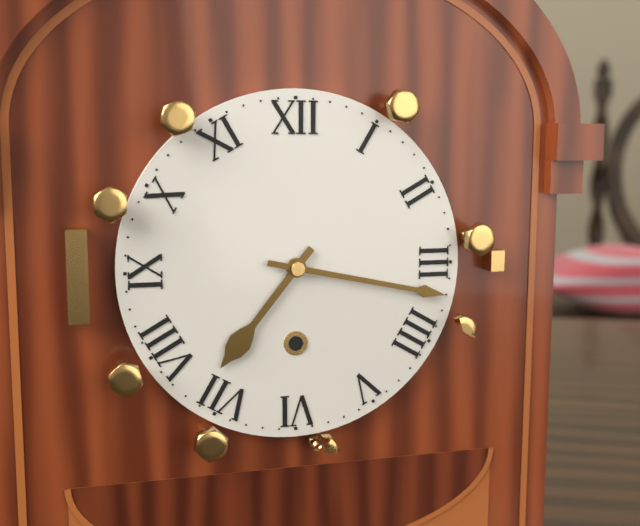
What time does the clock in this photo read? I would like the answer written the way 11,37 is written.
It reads 7,17
